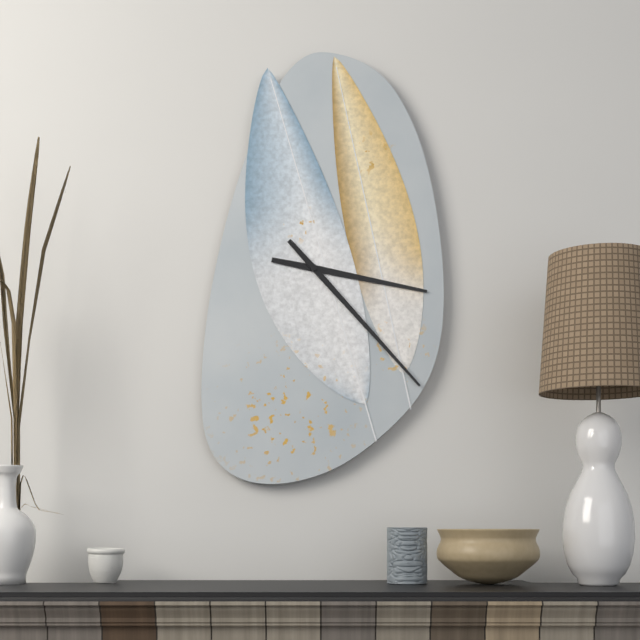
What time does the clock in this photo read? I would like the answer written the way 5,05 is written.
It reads 3,23
